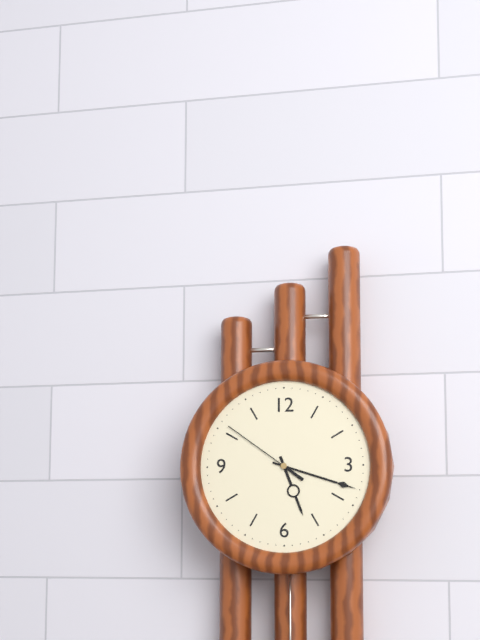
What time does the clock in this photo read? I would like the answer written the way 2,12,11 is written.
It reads 5,18,51
